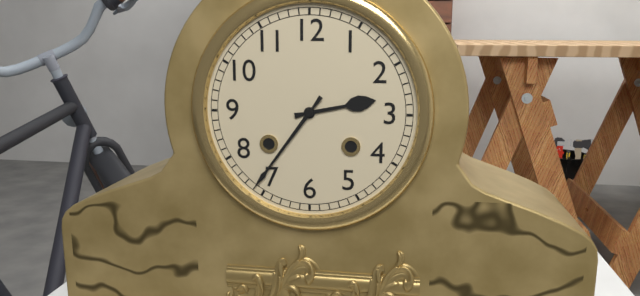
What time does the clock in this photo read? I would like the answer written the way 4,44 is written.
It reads 2,36
